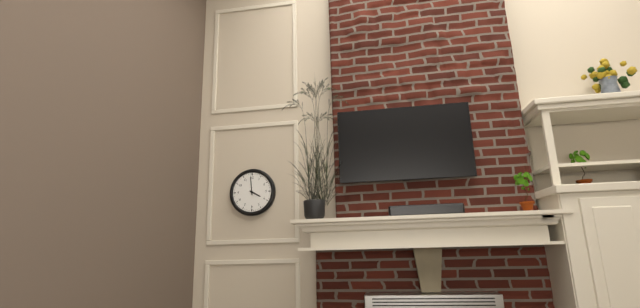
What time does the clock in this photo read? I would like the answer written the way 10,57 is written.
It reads 3,59
